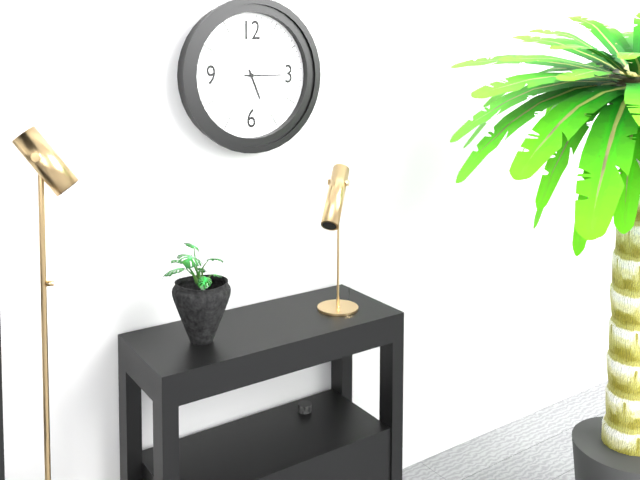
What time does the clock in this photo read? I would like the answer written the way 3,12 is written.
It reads 5,15
